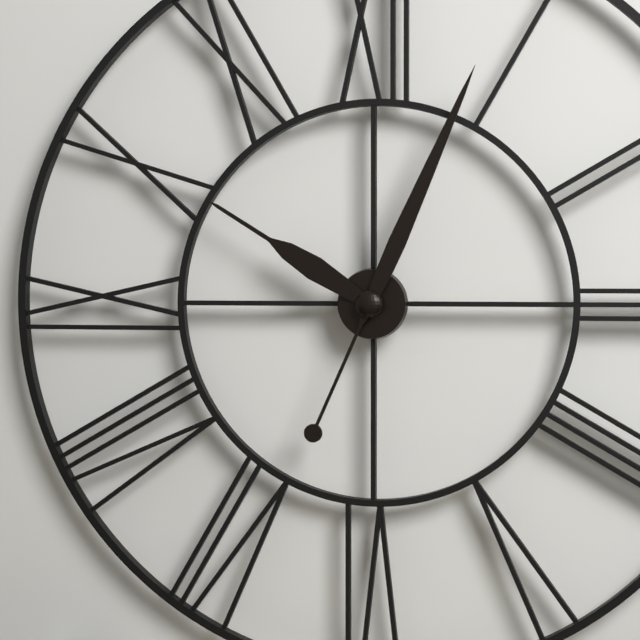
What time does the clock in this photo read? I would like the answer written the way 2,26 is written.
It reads 10,04
